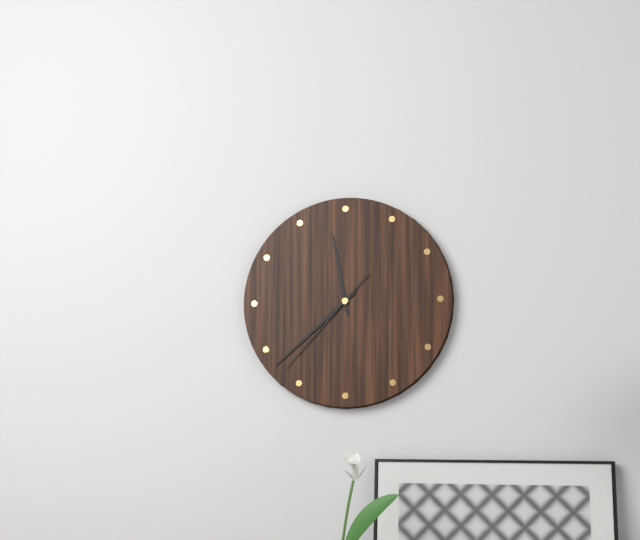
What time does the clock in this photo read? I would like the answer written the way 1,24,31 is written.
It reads 11,38,37
